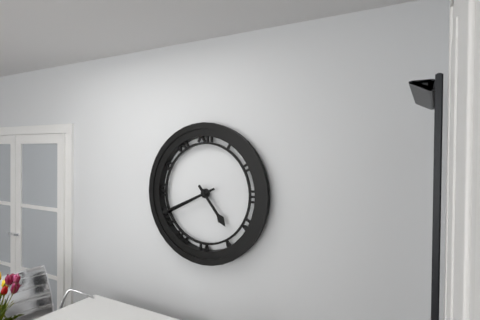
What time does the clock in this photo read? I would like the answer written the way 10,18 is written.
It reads 4,41
